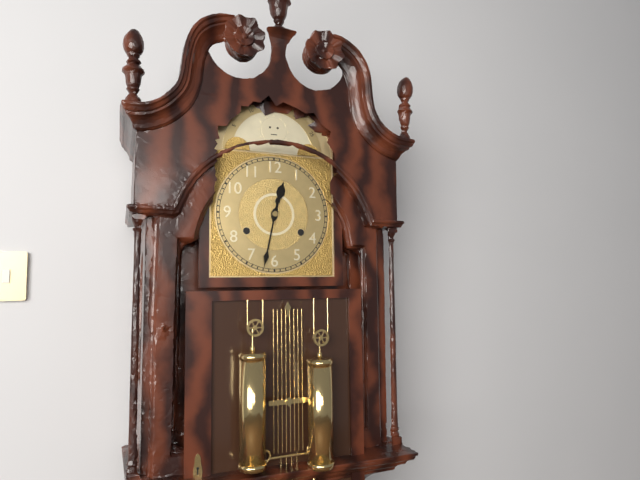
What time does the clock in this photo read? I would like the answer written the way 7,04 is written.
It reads 12,32
